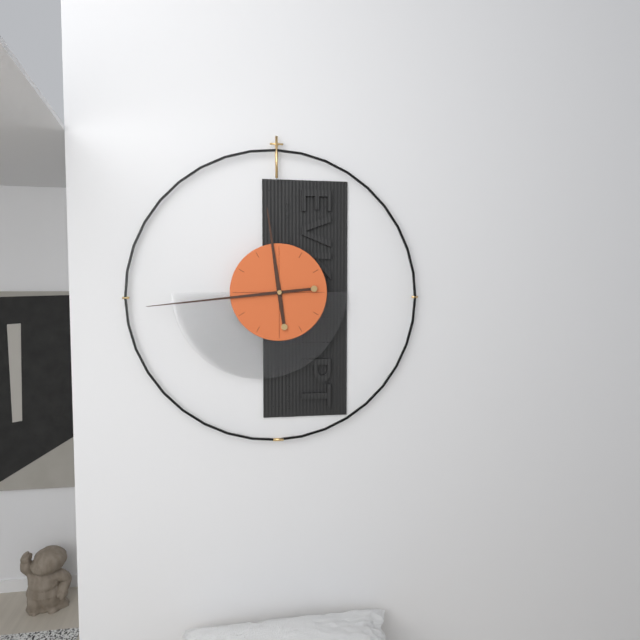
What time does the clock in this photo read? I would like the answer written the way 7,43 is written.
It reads 11,44
